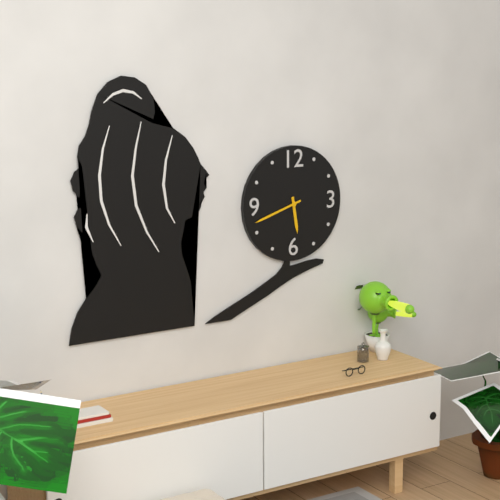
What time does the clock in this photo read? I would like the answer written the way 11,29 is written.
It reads 5,42
